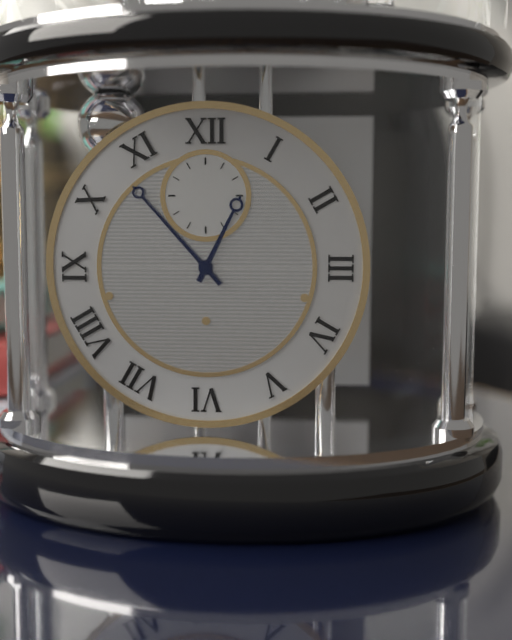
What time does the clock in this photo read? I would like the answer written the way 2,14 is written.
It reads 12,53
